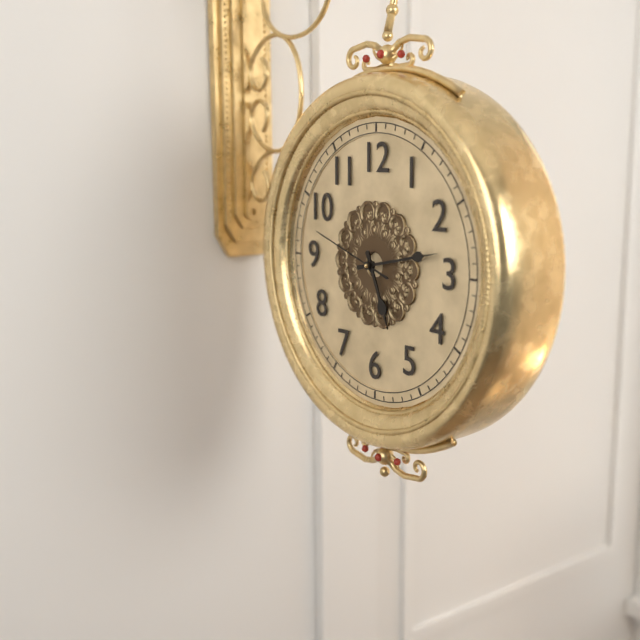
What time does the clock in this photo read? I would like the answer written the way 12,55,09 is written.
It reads 5,13,48
